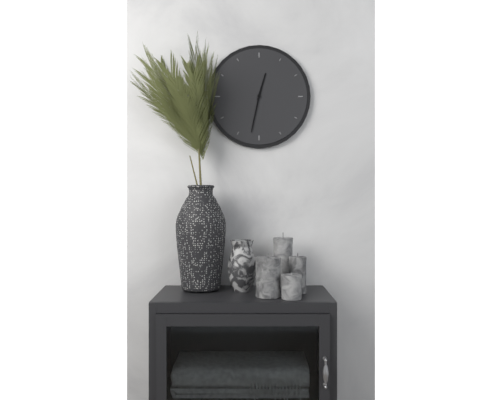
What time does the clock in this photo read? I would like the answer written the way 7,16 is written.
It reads 12,32
